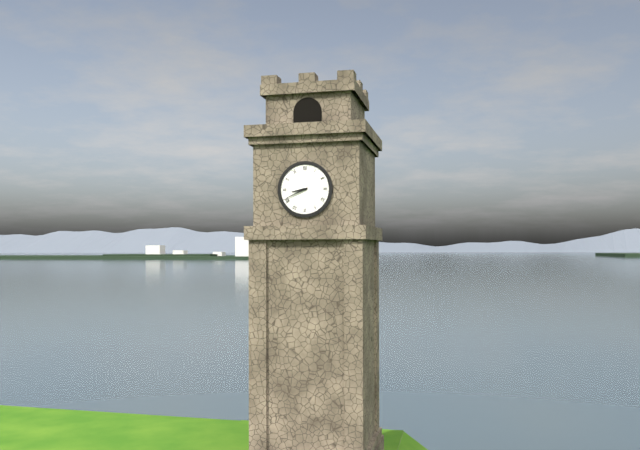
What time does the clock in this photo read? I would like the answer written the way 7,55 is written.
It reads 8,41
